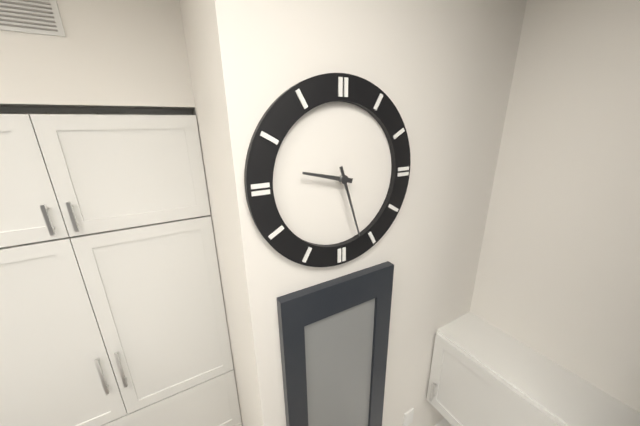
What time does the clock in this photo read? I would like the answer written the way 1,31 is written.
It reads 9,27
